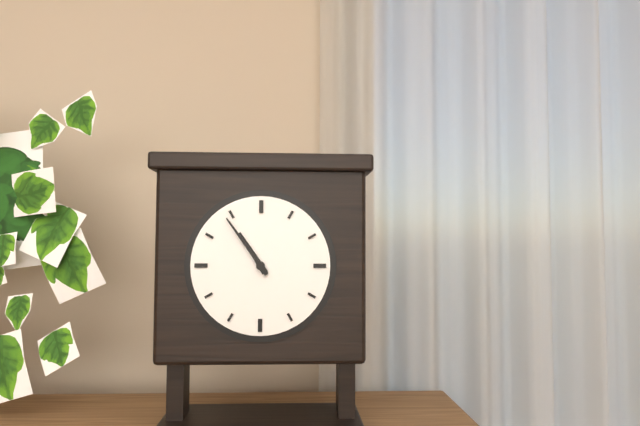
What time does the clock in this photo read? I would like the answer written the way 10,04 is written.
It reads 10,54
